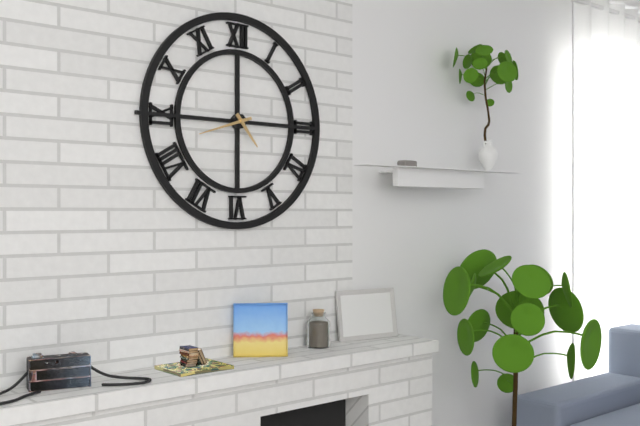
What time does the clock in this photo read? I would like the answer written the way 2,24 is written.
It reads 4,42
